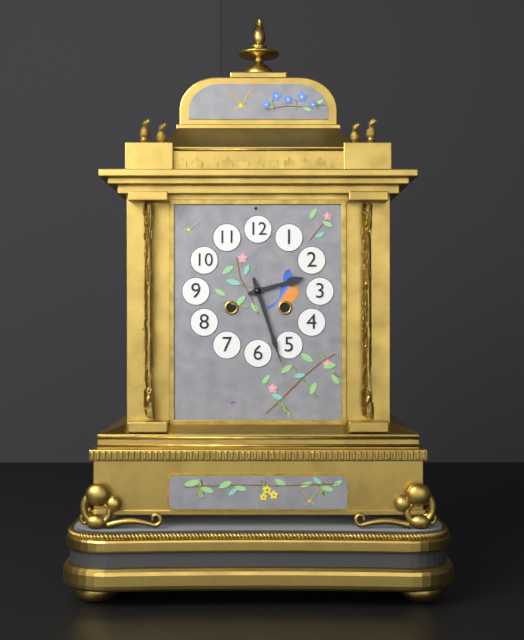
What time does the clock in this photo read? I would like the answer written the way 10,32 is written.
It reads 2,27
